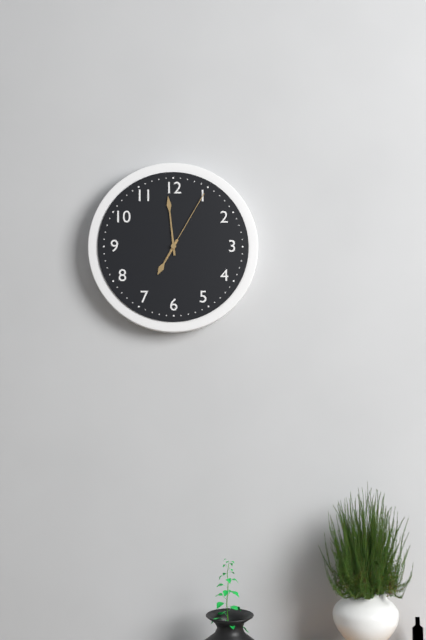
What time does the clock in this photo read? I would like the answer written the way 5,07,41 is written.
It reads 6,59,05
